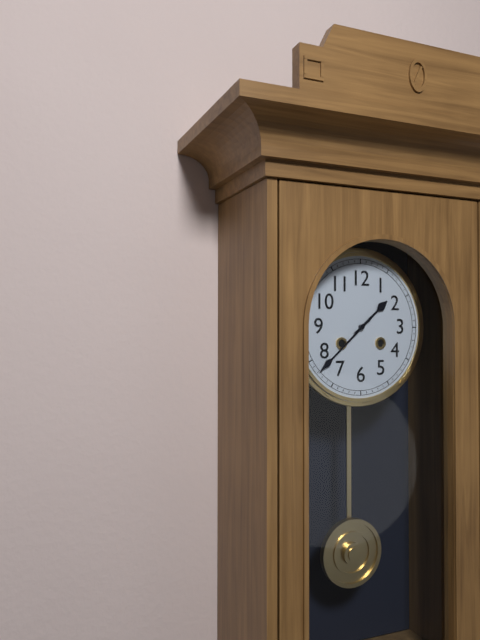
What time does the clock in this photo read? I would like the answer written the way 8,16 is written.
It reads 1,38
